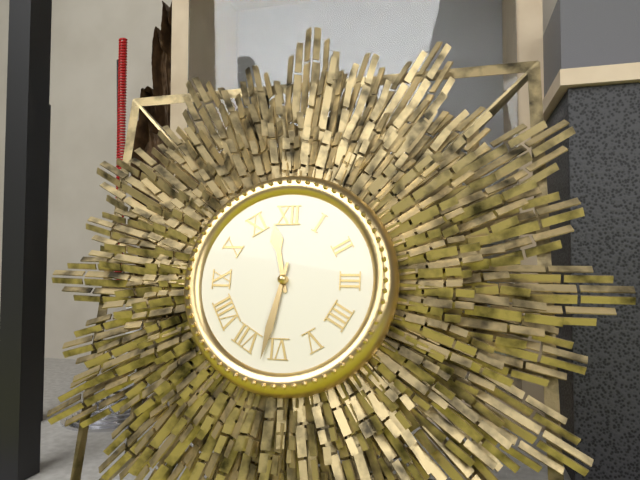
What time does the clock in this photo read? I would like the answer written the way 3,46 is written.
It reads 11,32
